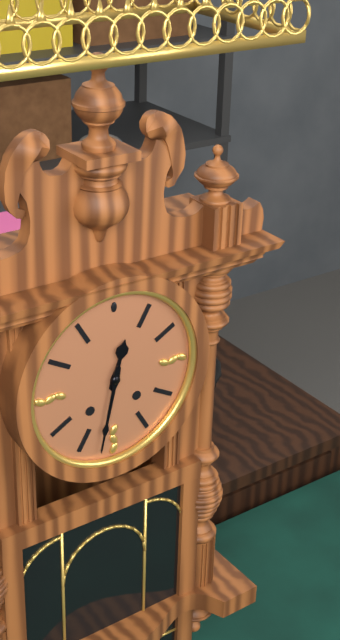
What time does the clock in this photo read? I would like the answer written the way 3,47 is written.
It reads 12,32
